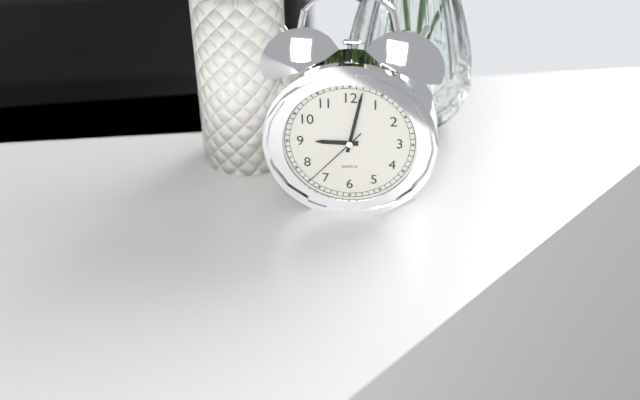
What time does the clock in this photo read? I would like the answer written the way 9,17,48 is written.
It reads 9,02,37
